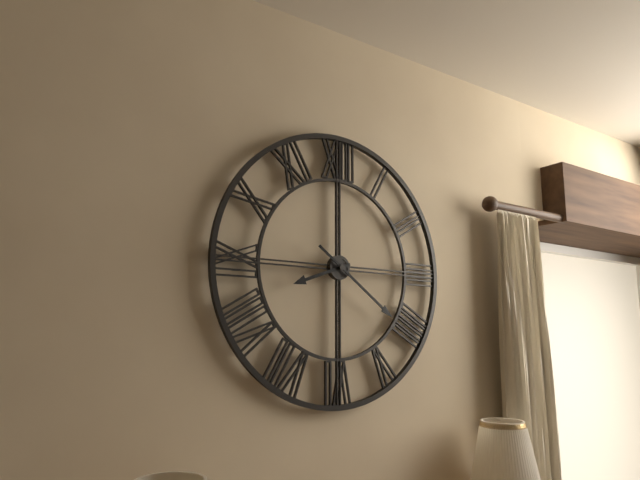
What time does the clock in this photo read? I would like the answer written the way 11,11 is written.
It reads 8,21
